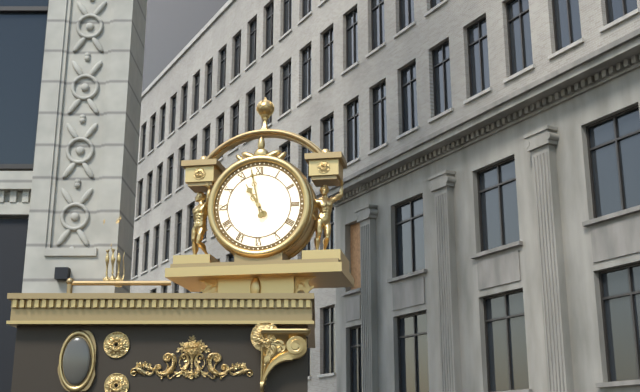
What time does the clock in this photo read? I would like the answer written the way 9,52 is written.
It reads 10,58
